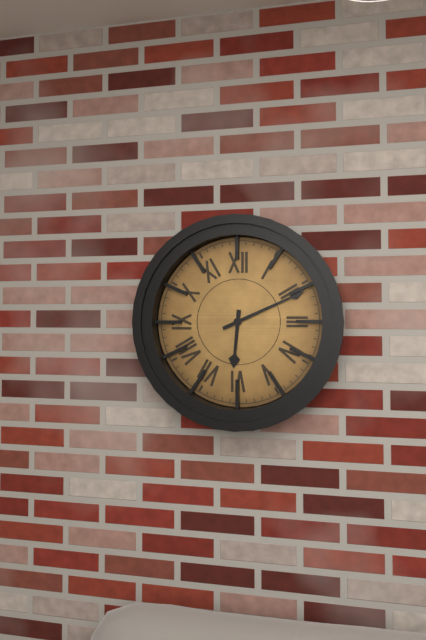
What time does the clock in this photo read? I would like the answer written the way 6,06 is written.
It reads 6,11
